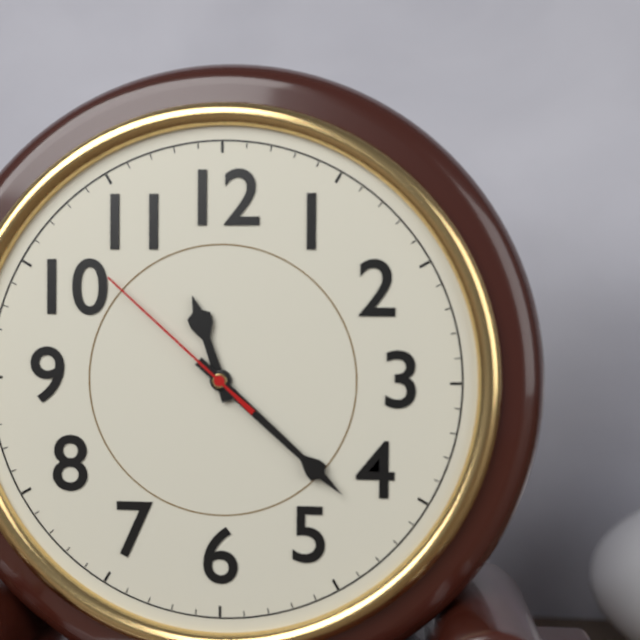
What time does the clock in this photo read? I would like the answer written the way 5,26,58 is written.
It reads 11,22,52
